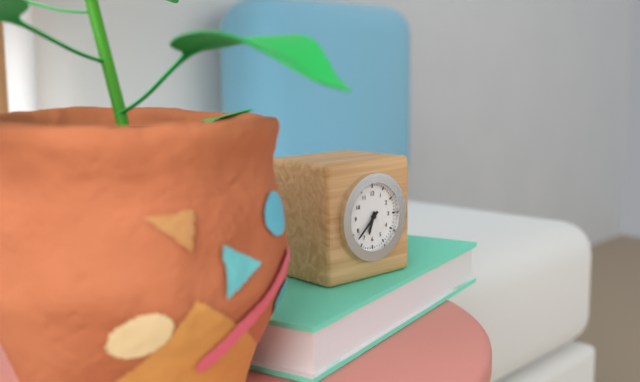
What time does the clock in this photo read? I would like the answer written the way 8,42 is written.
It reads 6,38
